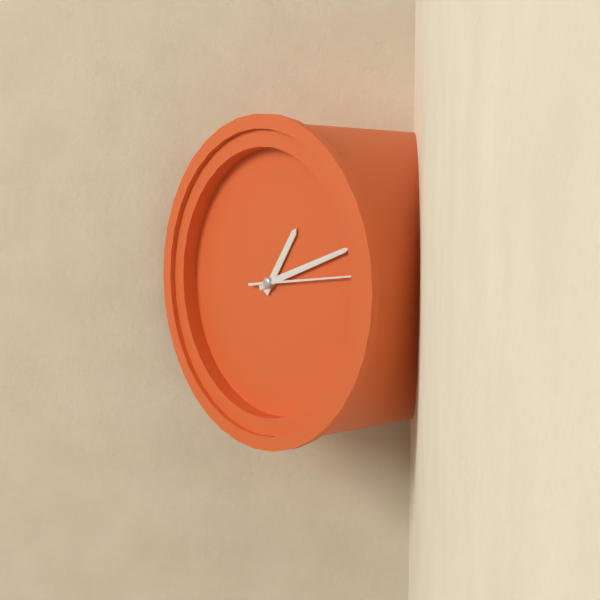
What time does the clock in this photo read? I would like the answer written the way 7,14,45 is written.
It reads 1,12,14
